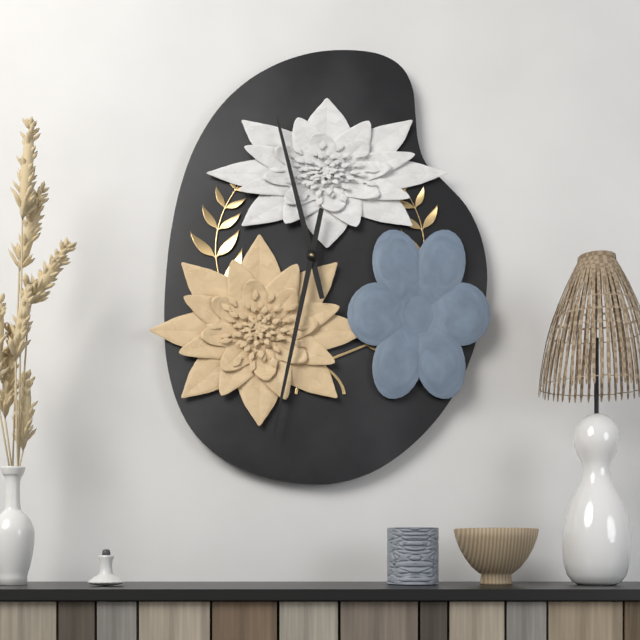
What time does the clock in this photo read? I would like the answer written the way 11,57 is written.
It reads 11,32
